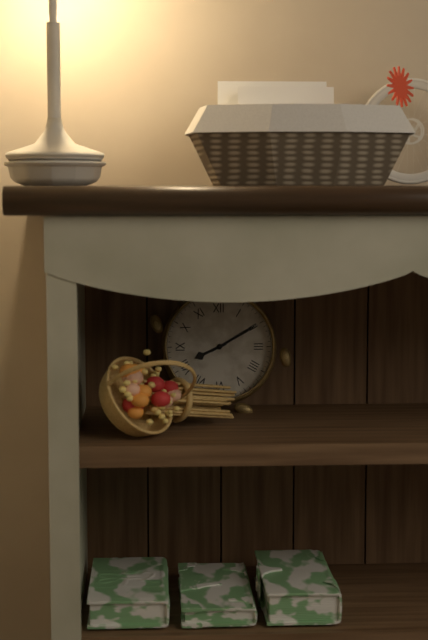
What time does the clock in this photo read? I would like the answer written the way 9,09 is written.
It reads 8,10
